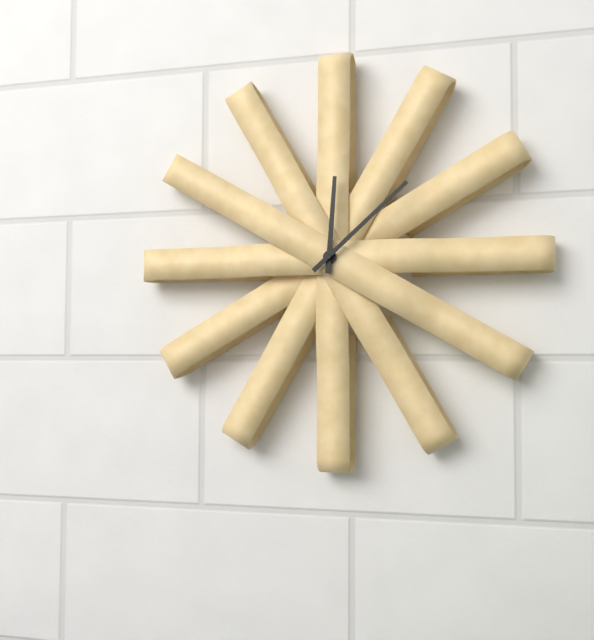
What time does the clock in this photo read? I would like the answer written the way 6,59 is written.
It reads 12,08
